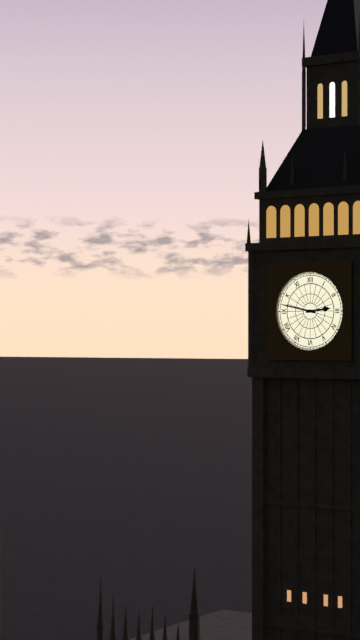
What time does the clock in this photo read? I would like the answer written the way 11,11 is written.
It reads 2,47
